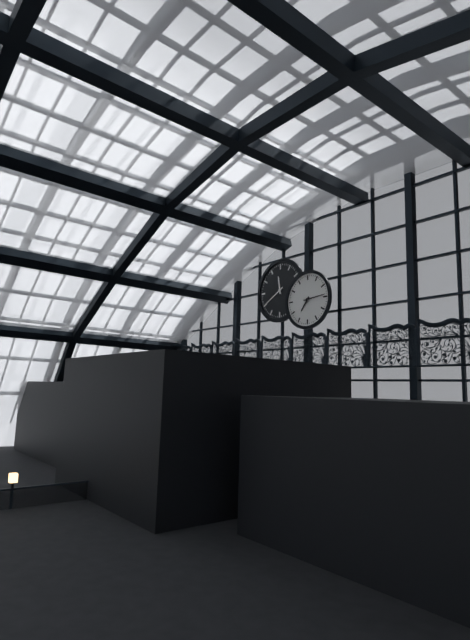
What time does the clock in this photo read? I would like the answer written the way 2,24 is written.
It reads 7,14
